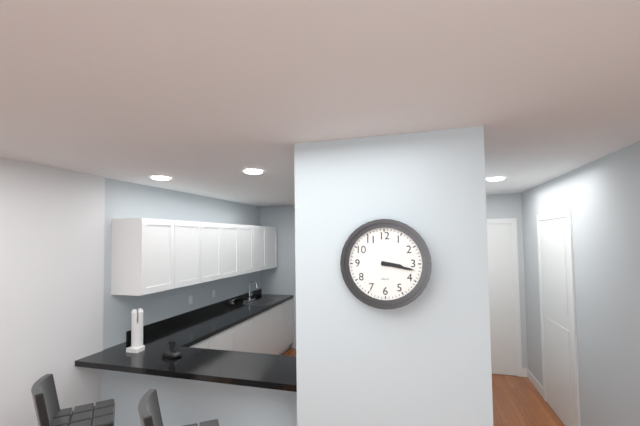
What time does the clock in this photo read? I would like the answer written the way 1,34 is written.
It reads 3,17
